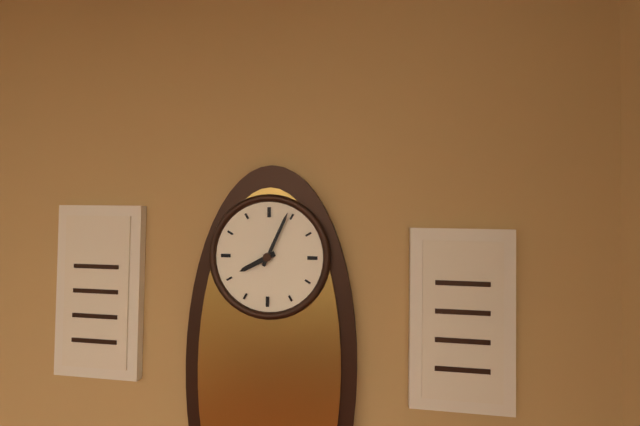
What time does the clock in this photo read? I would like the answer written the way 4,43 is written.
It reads 8,04
